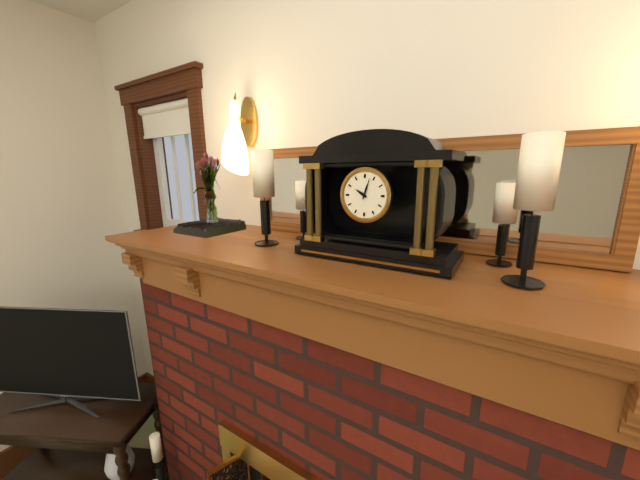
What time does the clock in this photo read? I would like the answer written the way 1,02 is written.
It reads 10,03
